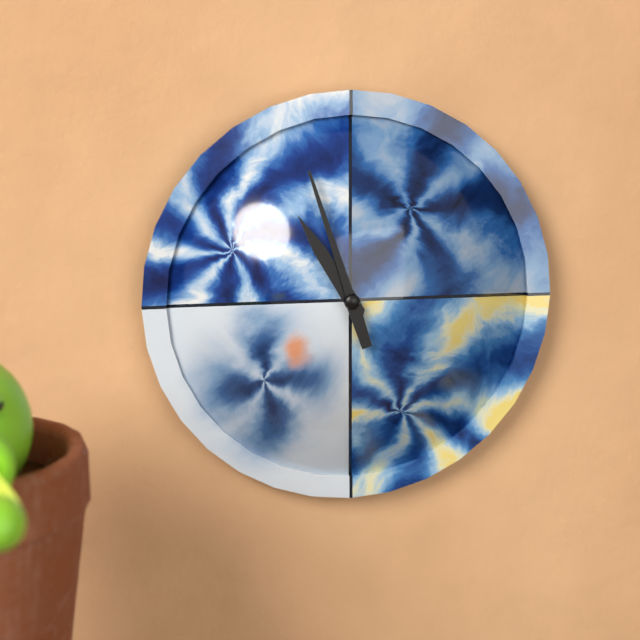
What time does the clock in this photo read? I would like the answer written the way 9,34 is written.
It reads 10,57
